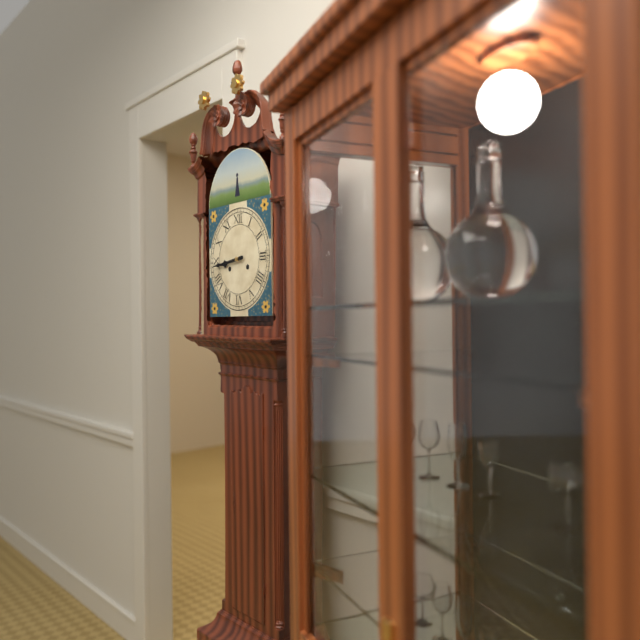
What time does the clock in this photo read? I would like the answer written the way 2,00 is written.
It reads 8,44
